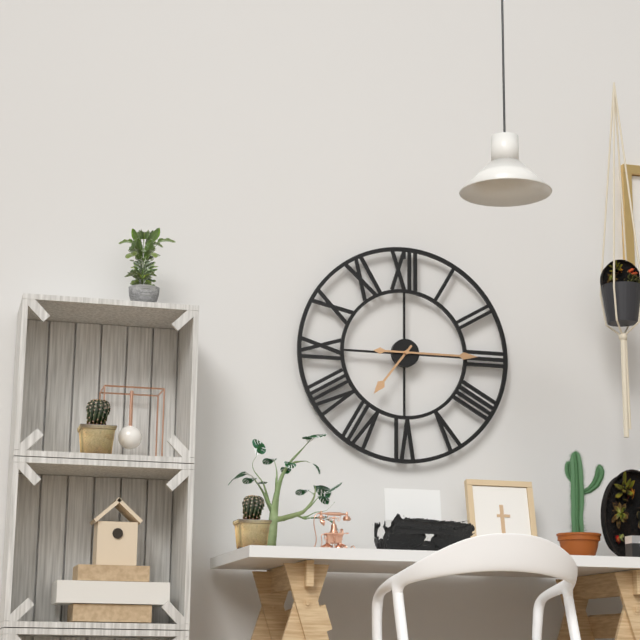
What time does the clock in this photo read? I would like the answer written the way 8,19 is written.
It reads 7,15
